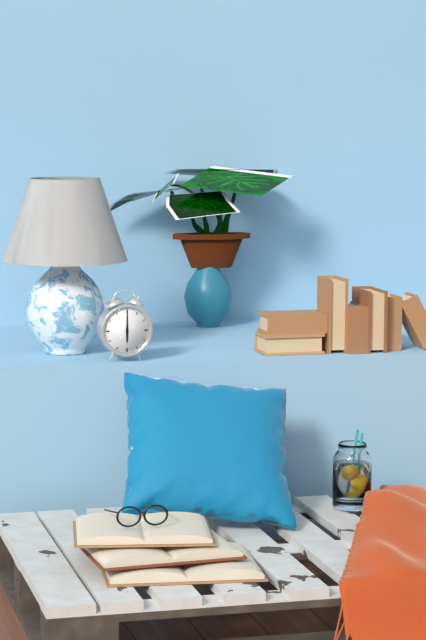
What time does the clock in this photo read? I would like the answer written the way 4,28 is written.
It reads 6,00
